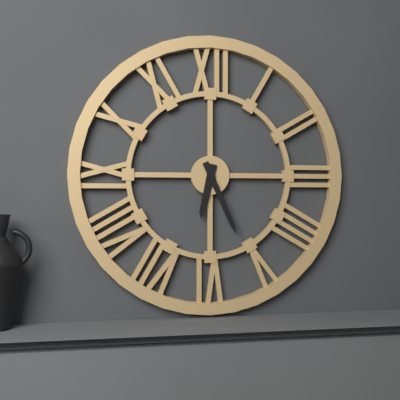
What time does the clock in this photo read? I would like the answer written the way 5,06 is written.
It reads 6,26
